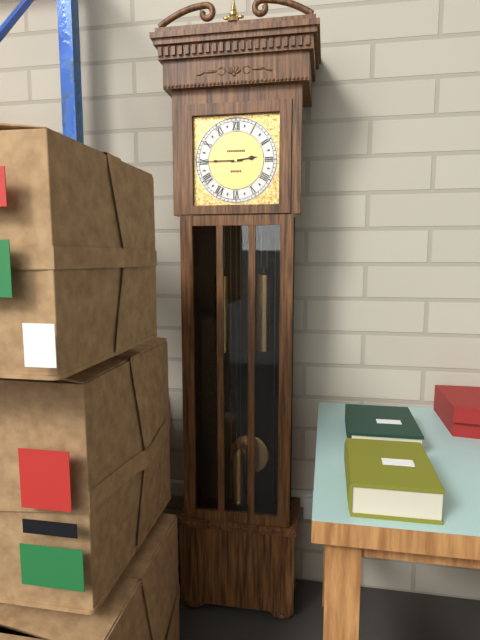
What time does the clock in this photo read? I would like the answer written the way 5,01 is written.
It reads 2,45
